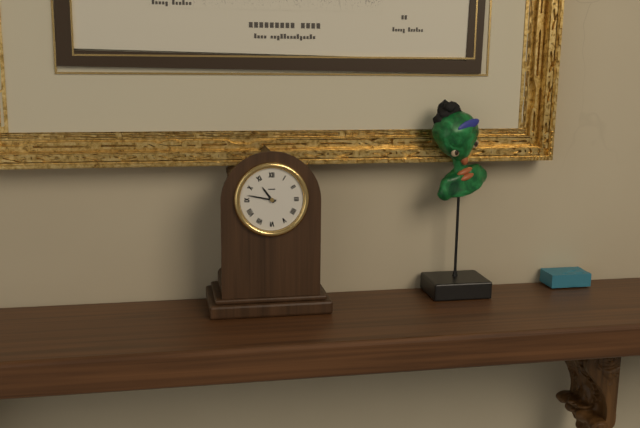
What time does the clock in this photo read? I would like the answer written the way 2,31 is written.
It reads 10,47
